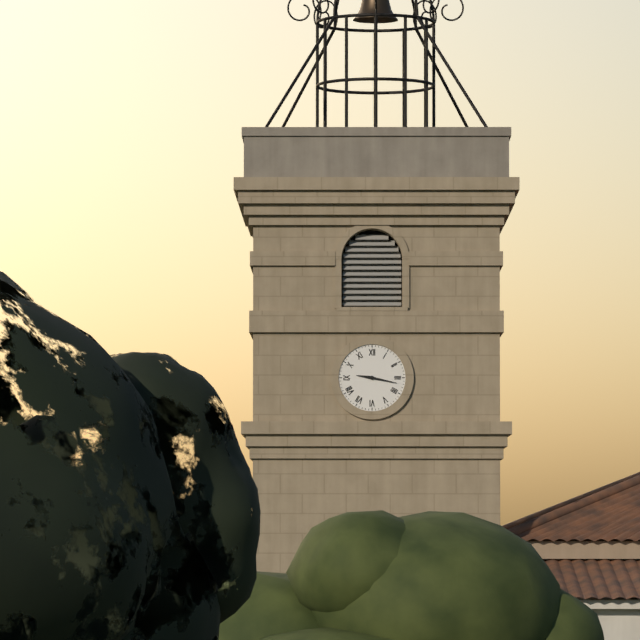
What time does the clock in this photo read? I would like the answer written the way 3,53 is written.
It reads 9,17
